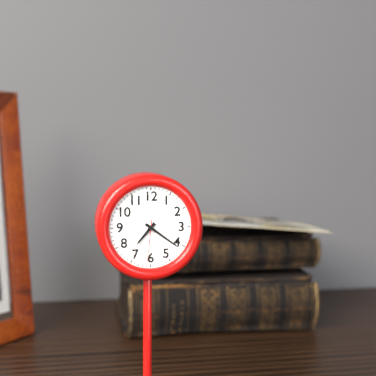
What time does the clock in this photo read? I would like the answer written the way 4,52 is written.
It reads 7,21
